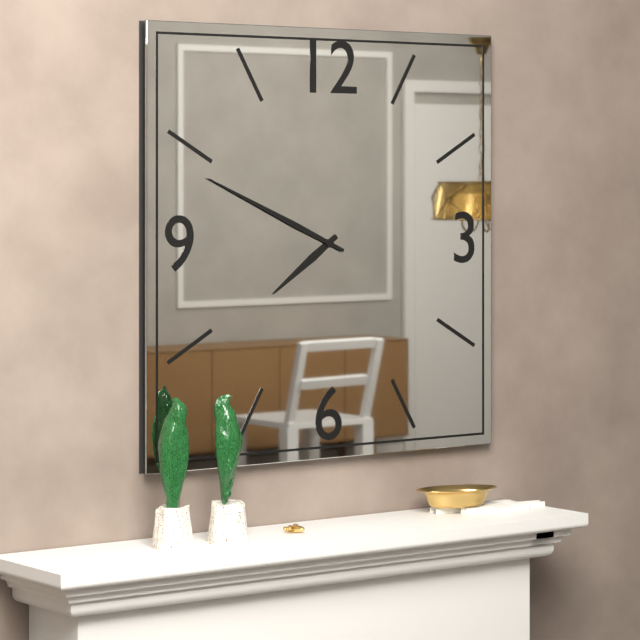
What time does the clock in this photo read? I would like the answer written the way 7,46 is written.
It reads 7,49
